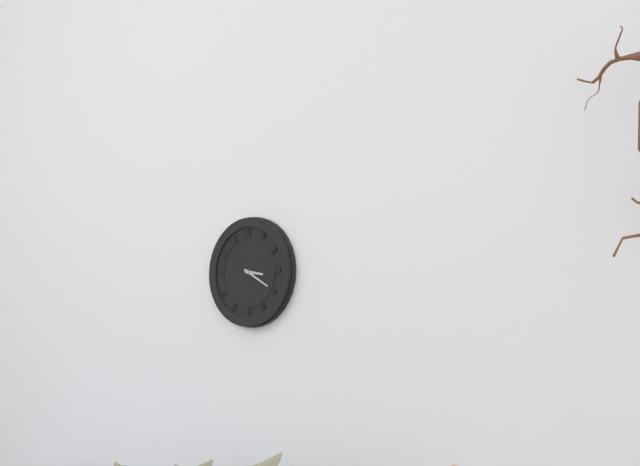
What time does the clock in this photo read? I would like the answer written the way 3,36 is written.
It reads 3,20
